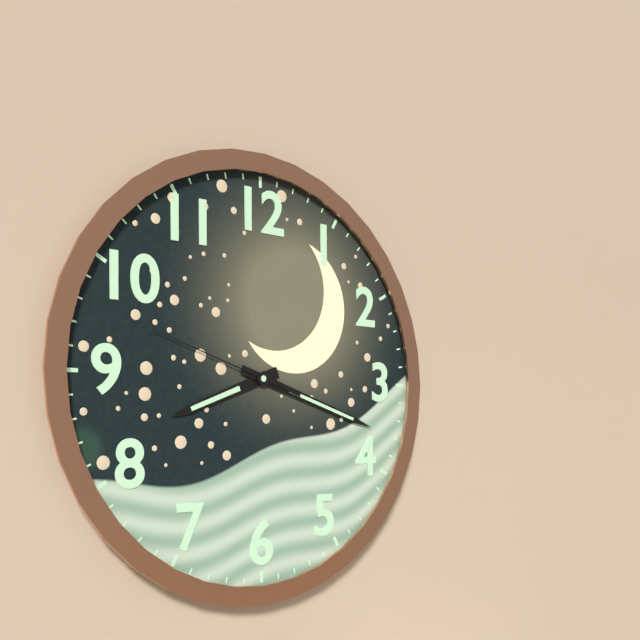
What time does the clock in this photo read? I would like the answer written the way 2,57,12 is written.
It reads 8,18,48
